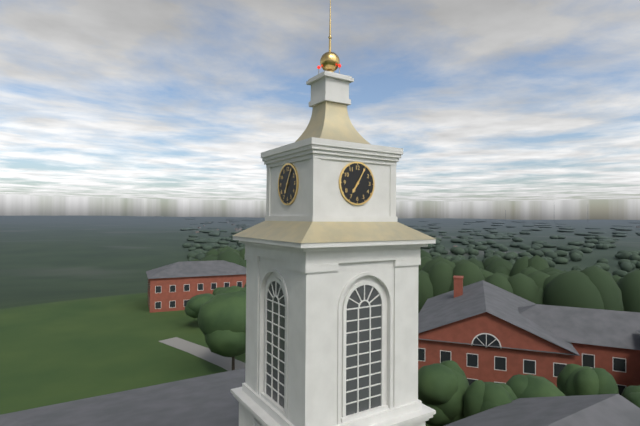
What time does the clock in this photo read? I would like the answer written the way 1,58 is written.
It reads 7,05
